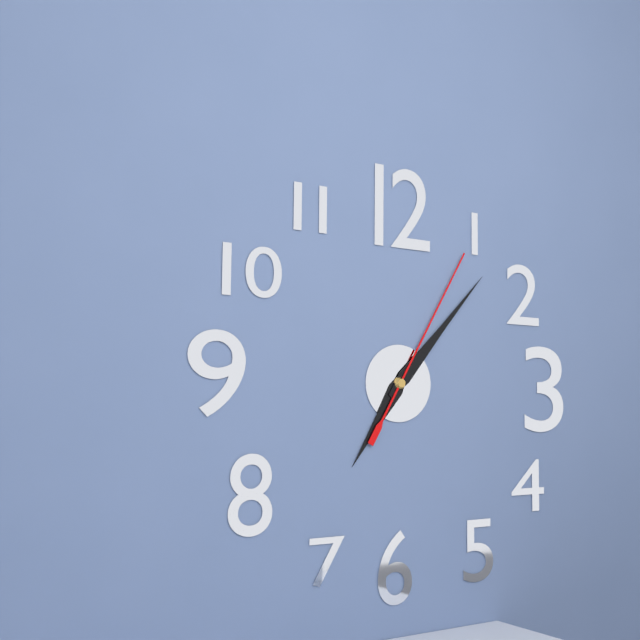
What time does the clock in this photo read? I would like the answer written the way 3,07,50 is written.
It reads 7,07,05
